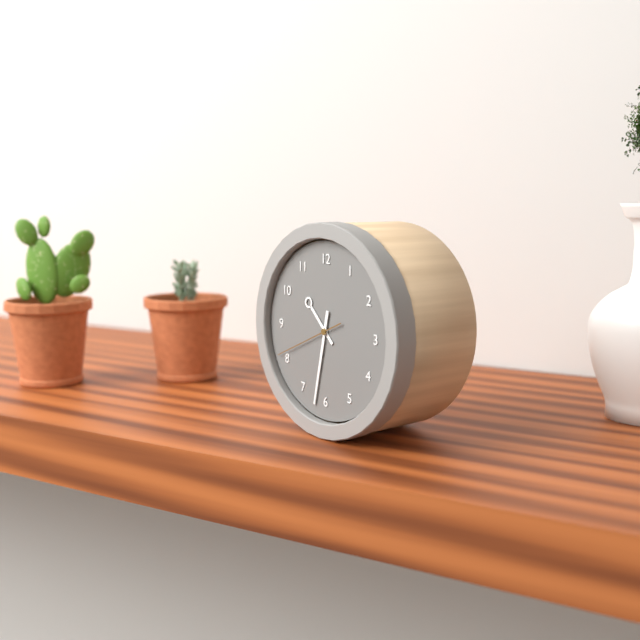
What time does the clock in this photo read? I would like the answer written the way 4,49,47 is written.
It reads 10,32,41
